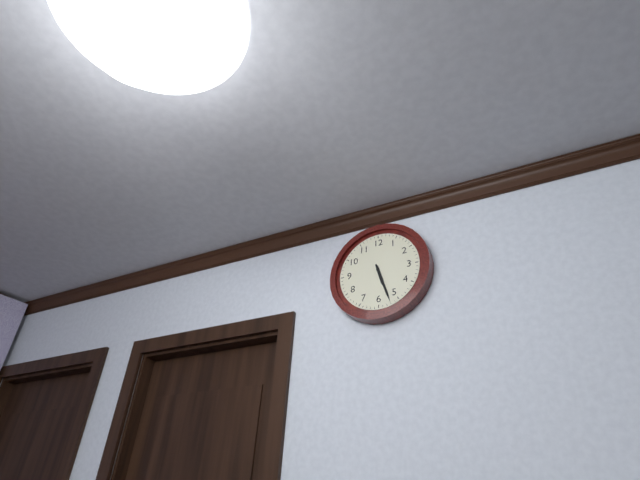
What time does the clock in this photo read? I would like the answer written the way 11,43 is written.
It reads 5,27
